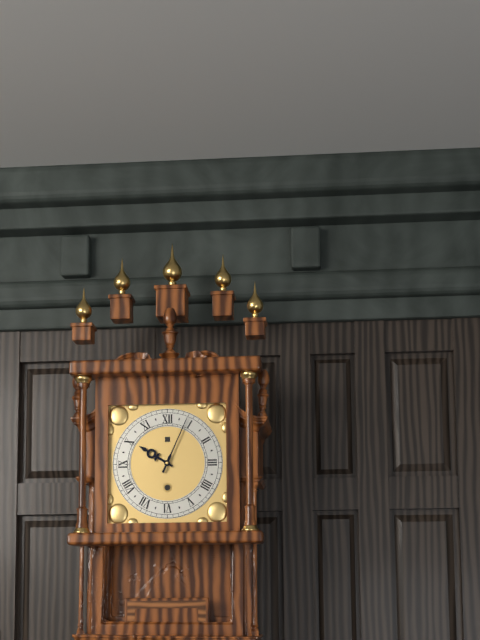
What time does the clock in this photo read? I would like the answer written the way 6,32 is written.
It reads 10,04
